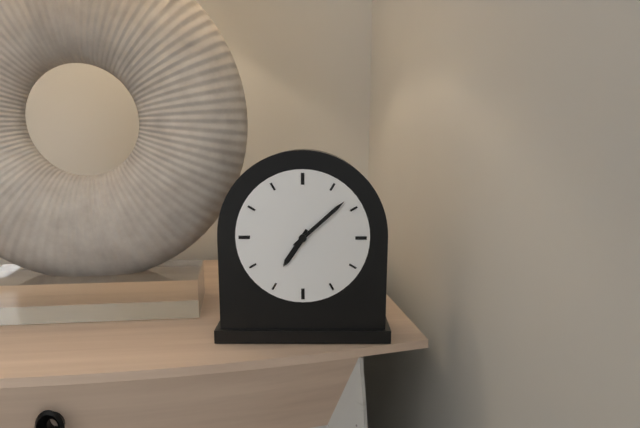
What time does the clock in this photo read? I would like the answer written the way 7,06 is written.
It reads 7,08
